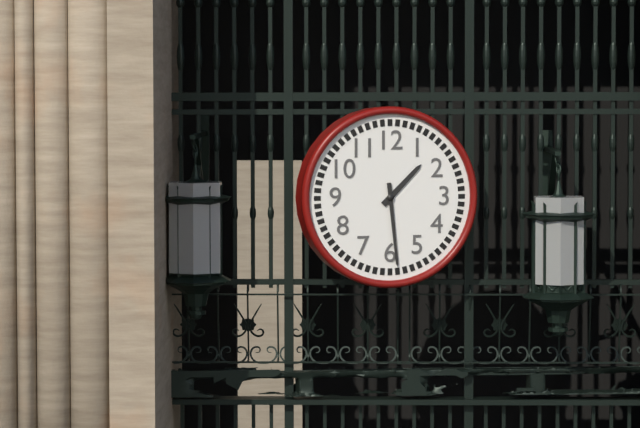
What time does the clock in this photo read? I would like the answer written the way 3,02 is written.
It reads 1,29
